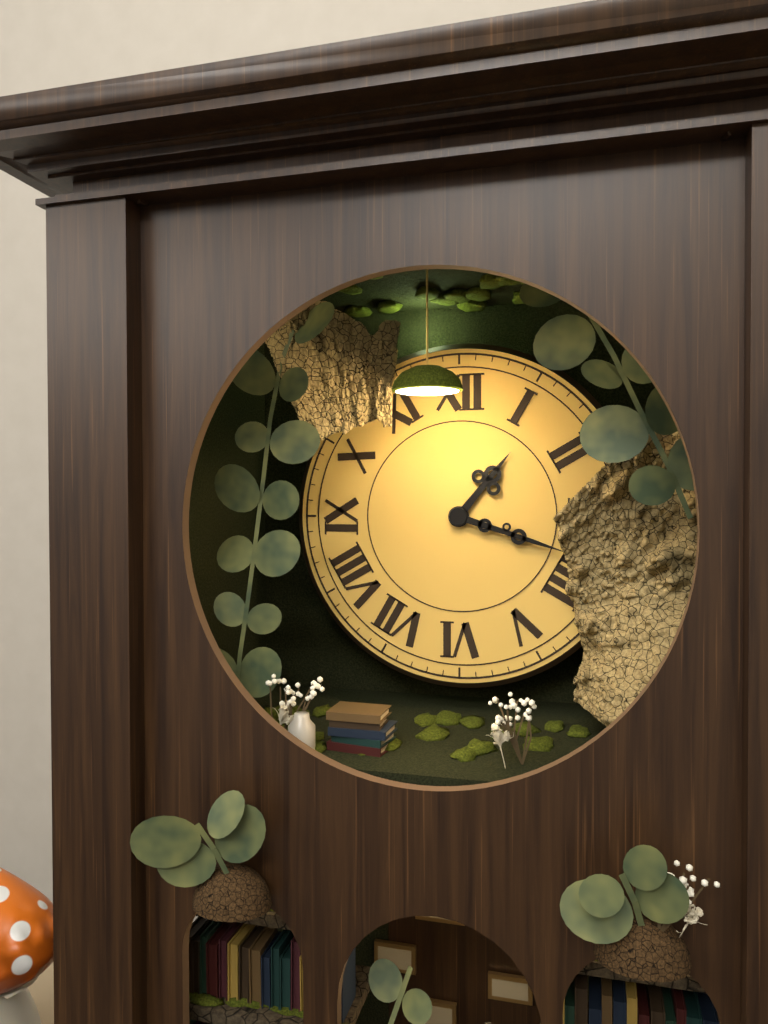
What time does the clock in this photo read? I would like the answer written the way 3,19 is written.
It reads 1,18
